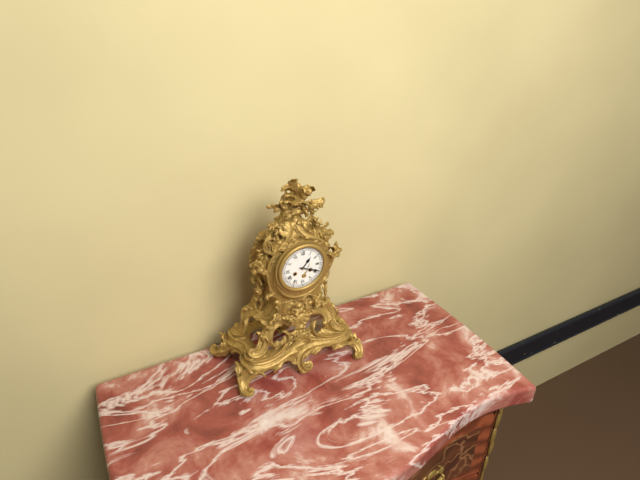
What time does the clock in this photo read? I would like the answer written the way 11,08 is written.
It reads 1,19
